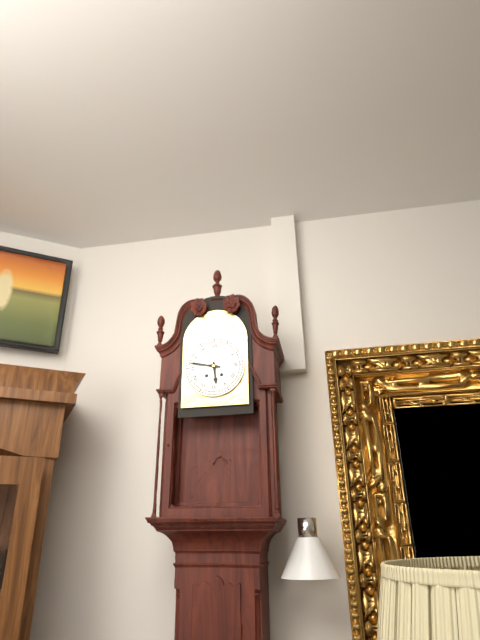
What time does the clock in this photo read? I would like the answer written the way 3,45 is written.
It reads 5,47
